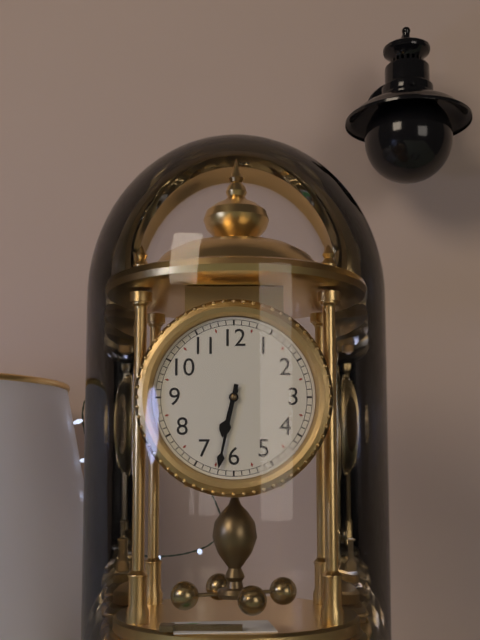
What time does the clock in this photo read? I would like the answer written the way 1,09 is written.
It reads 6,32
